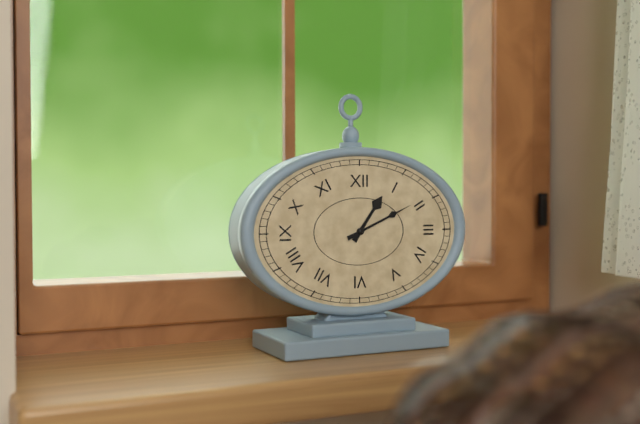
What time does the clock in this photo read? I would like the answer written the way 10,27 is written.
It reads 1,11
